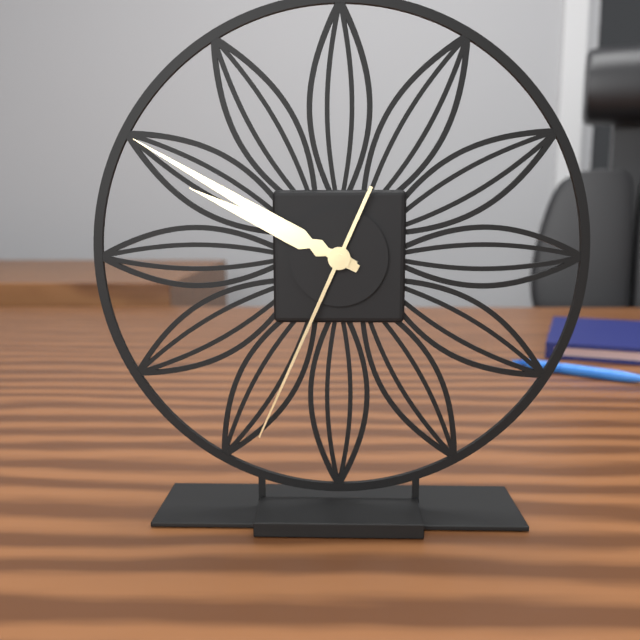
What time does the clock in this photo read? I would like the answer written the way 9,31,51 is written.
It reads 9,50,34
